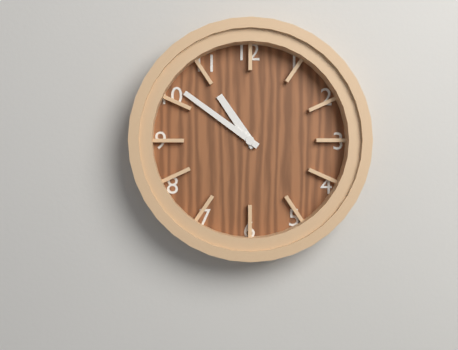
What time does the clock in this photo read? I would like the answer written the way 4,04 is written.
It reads 10,51
